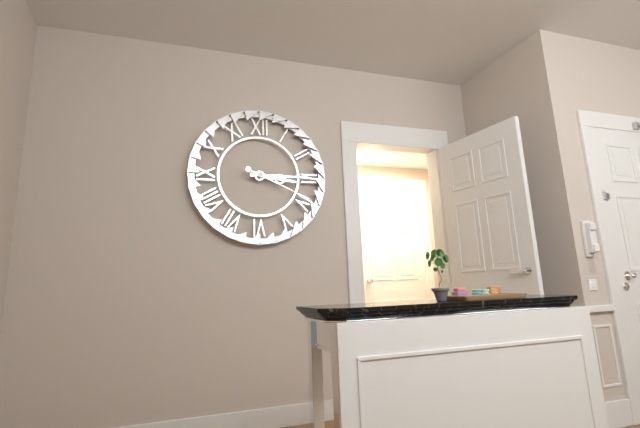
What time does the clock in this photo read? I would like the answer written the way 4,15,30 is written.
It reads 3,15,19
